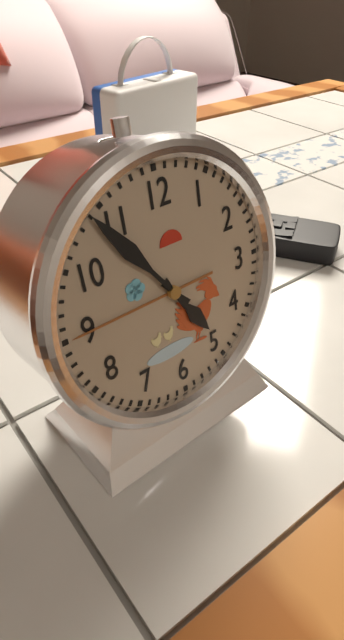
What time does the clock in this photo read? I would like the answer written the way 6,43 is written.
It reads 4,54
